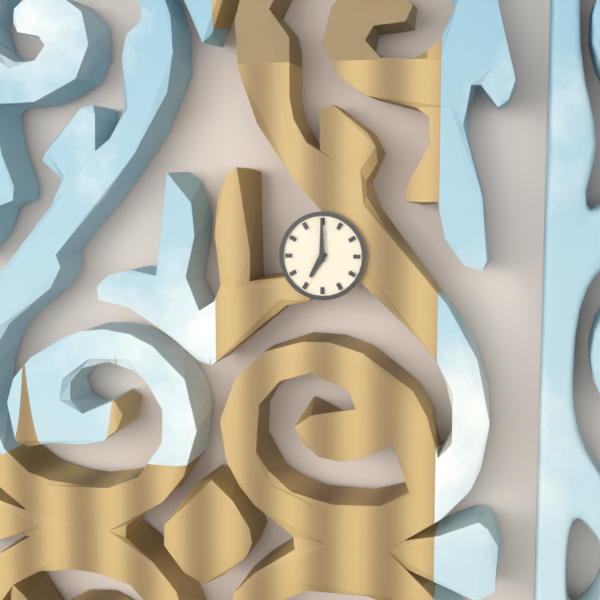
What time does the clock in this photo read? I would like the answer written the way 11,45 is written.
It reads 7,00
